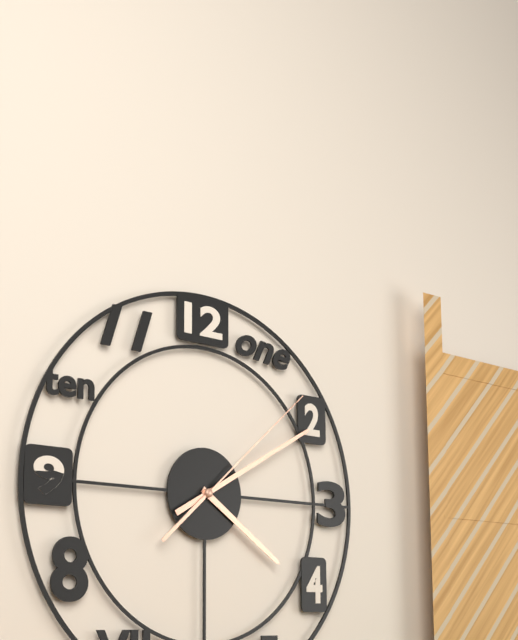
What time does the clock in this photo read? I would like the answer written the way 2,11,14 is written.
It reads 4,10,08
